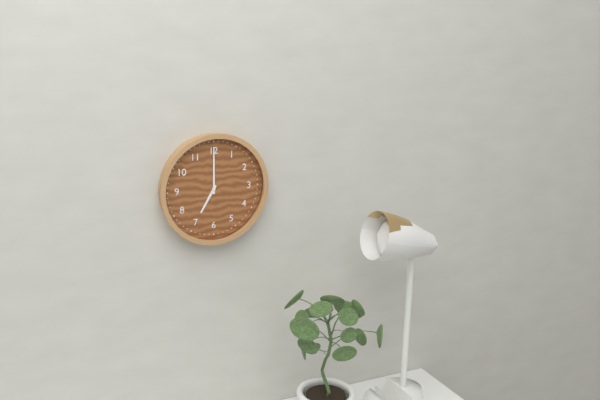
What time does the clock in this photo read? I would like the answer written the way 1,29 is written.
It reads 7,00
